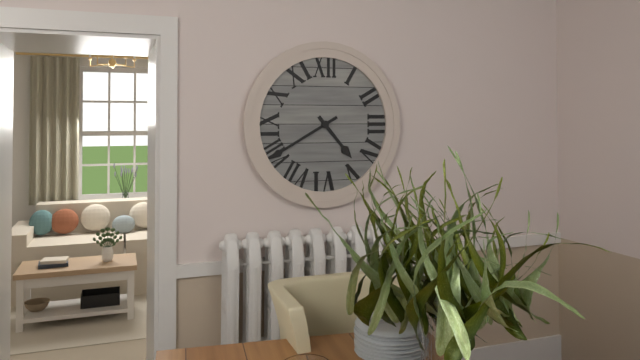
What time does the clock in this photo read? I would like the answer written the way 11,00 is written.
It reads 4,40
